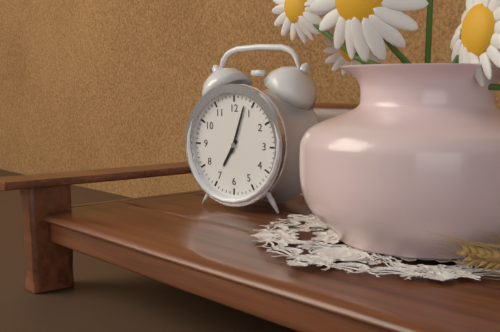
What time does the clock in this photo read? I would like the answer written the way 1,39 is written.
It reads 7,03
